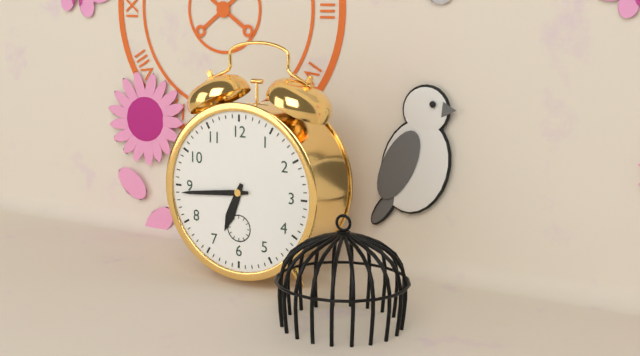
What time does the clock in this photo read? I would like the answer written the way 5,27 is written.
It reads 6,44
